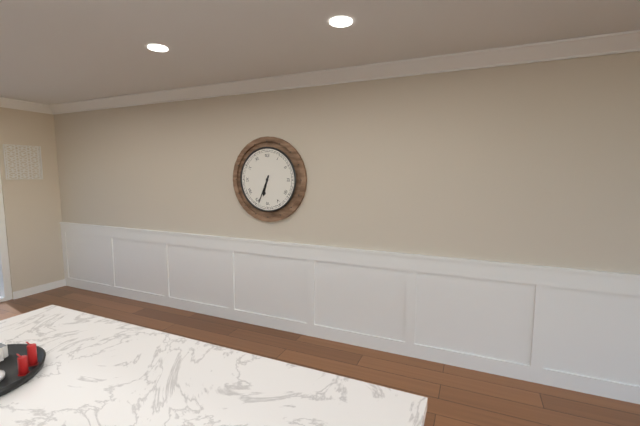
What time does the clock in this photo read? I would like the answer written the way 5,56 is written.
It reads 6,34
